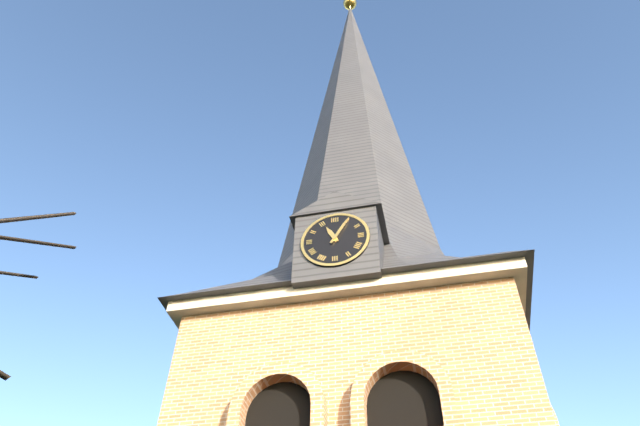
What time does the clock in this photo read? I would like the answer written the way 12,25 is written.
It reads 11,05
